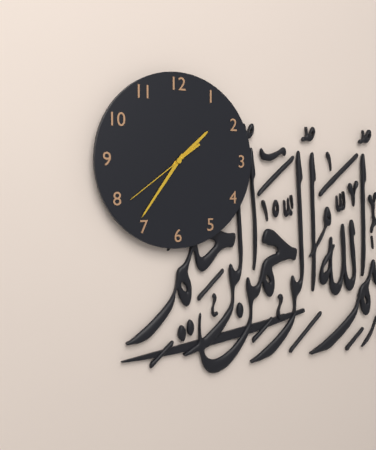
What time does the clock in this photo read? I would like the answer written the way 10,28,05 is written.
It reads 1,36,39
